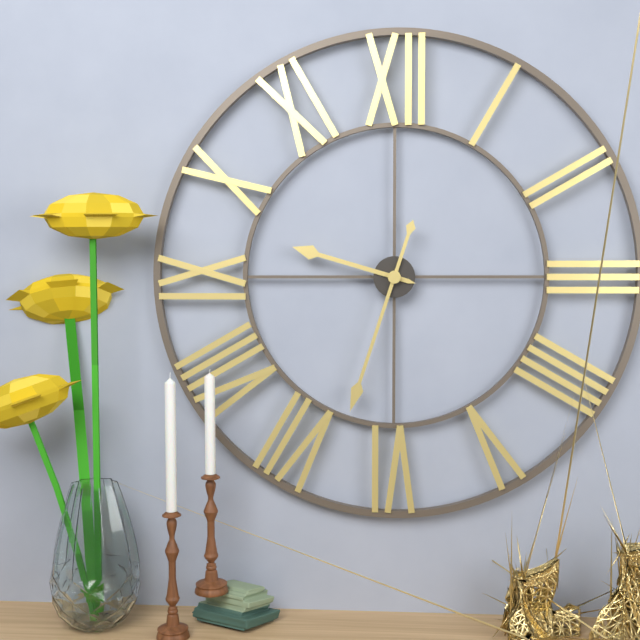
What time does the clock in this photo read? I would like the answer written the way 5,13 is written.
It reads 9,33
